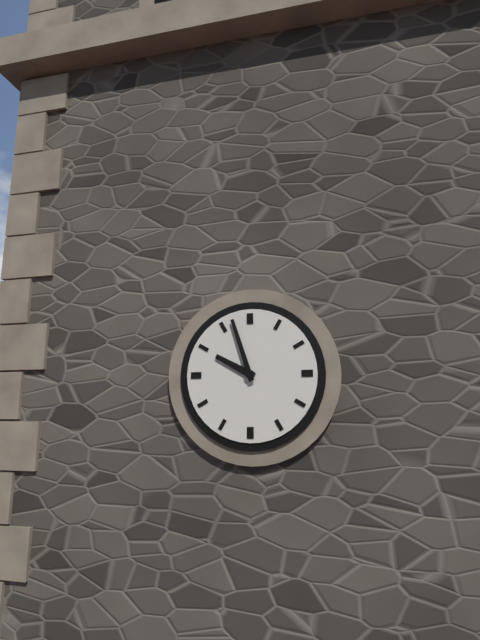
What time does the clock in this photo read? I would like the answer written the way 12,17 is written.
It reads 9,57
